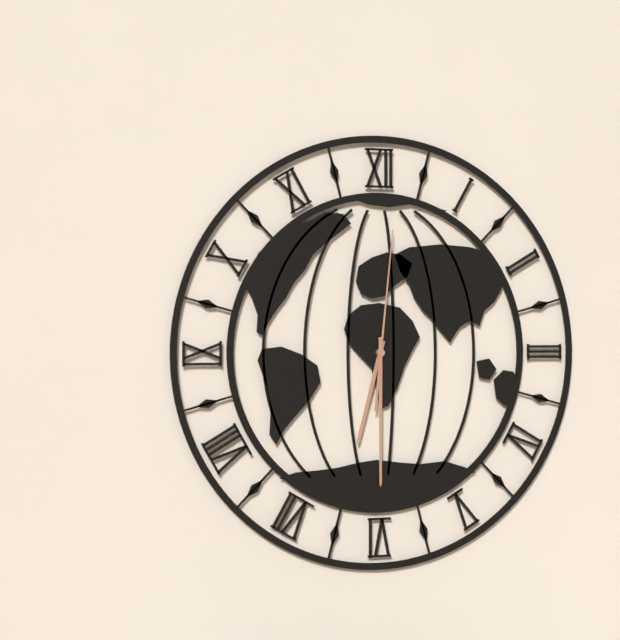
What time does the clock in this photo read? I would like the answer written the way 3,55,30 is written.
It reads 6,30,01
